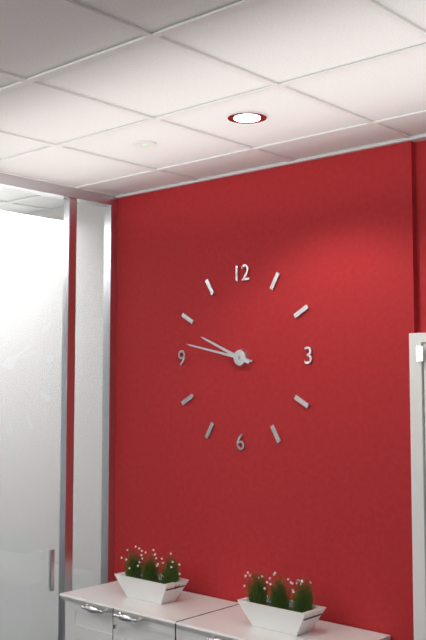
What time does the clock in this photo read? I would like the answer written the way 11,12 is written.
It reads 9,47
